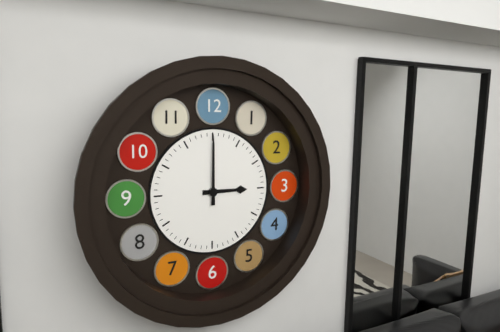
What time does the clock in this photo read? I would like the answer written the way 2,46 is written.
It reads 3,00
